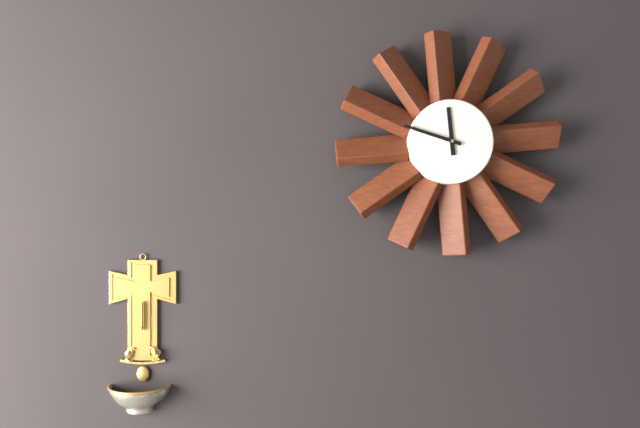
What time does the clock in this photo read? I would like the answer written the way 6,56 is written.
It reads 11,48
